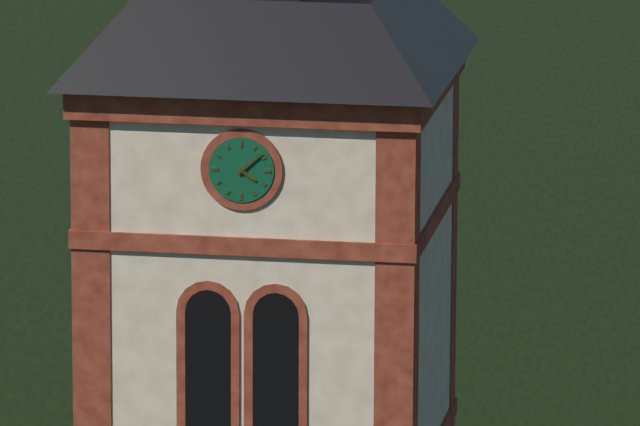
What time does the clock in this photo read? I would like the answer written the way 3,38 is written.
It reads 4,08
